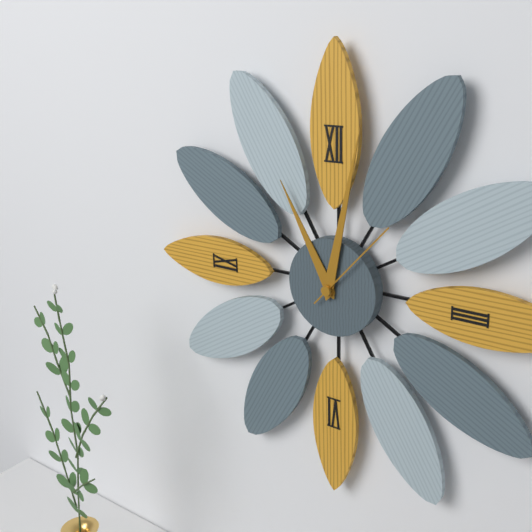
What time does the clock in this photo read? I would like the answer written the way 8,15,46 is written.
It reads 11,02,07
